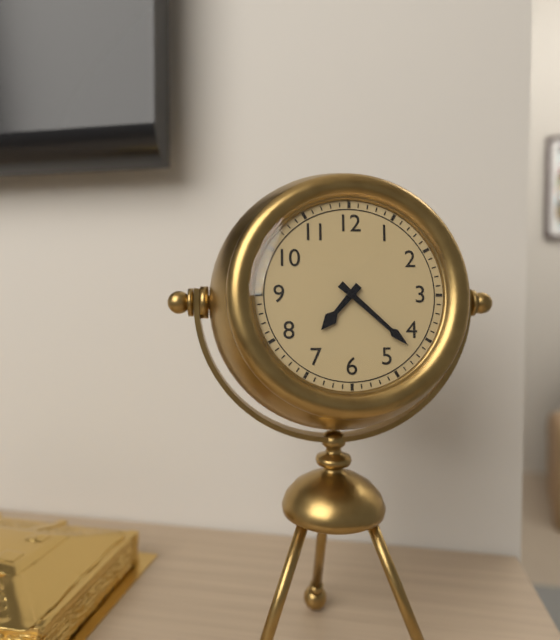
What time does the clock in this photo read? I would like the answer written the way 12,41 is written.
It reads 7,22
